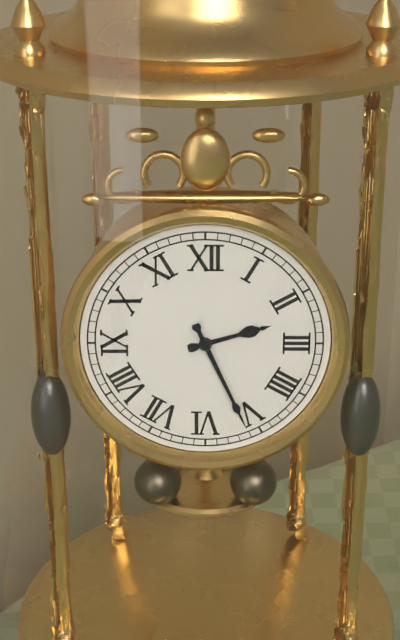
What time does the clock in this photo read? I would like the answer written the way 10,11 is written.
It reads 2,26
